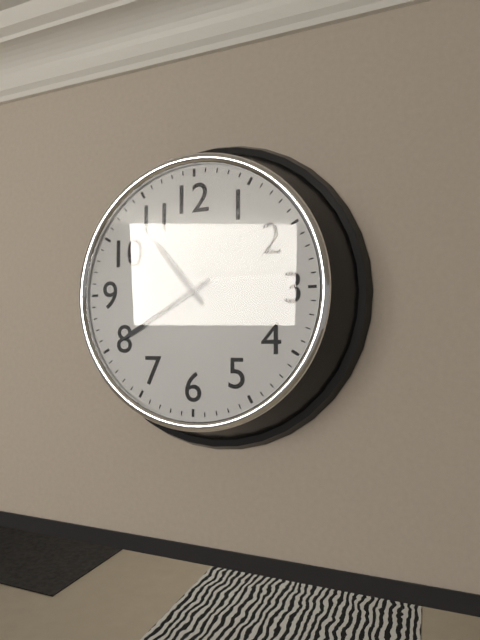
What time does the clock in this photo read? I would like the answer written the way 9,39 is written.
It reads 10,40
